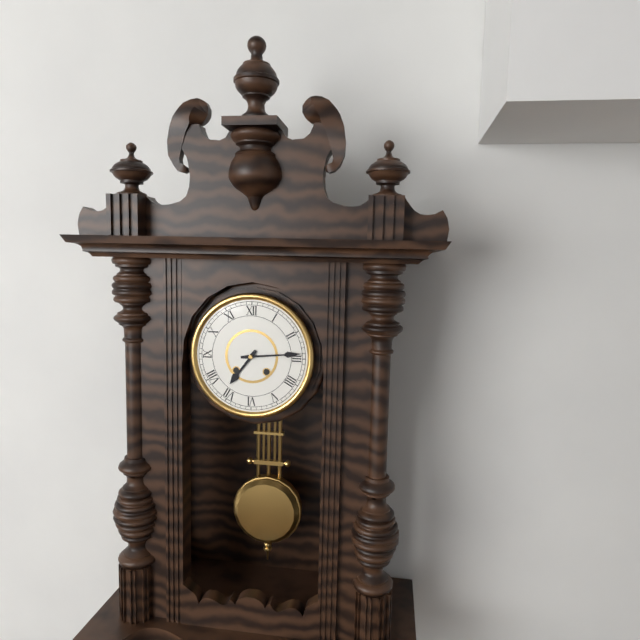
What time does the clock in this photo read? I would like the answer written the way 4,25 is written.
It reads 7,14
